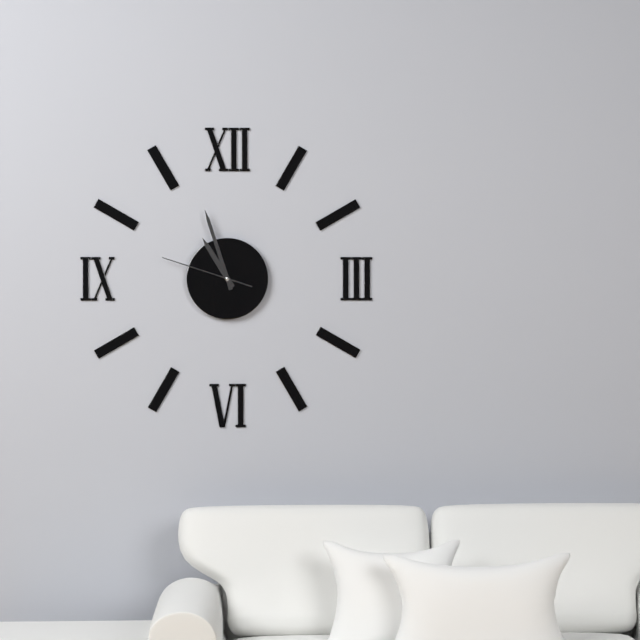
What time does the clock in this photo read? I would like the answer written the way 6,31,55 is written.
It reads 10,57,48
